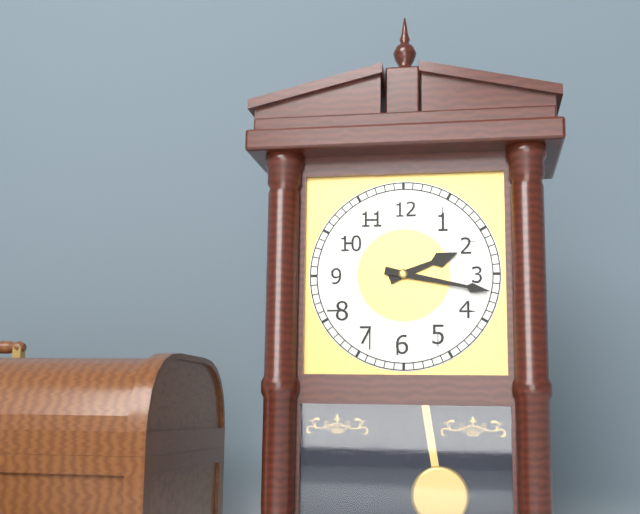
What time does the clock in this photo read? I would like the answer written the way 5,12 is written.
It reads 2,17
